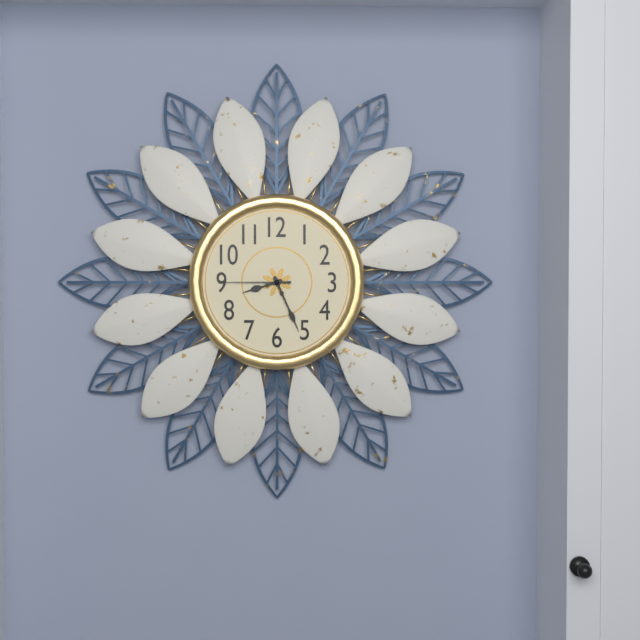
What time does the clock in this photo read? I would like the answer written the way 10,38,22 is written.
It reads 8,26,45
